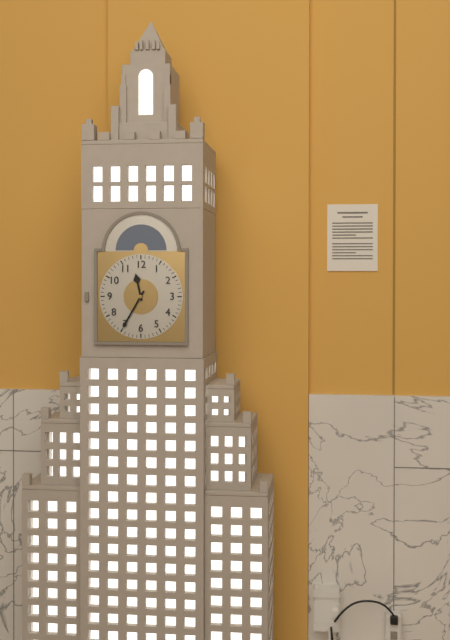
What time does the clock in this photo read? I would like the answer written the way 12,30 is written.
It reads 11,35
